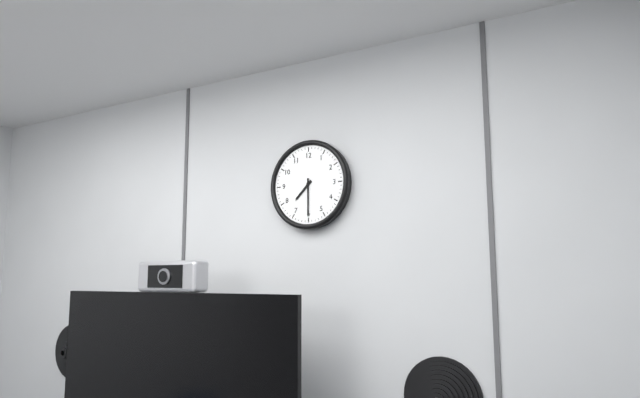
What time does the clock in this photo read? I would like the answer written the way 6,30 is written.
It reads 7,30
